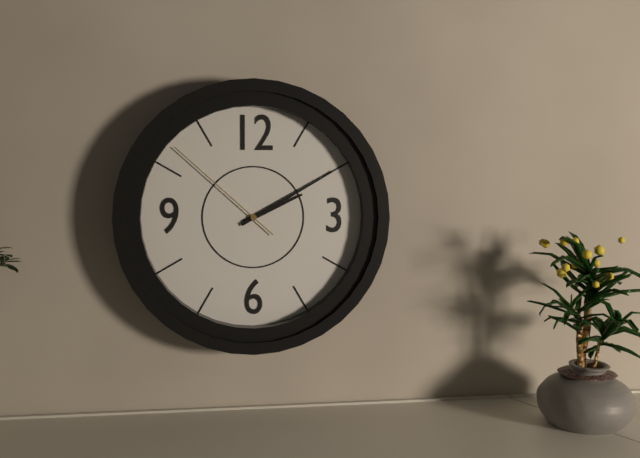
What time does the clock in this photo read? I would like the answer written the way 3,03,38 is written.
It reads 2,10,52
